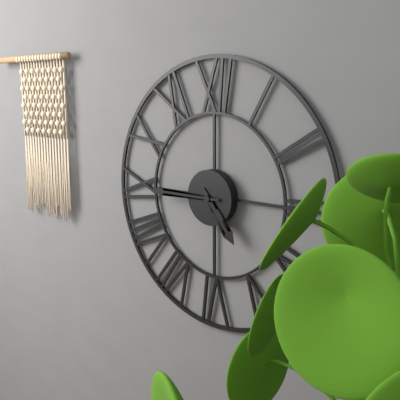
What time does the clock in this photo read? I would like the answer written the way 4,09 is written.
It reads 4,45
